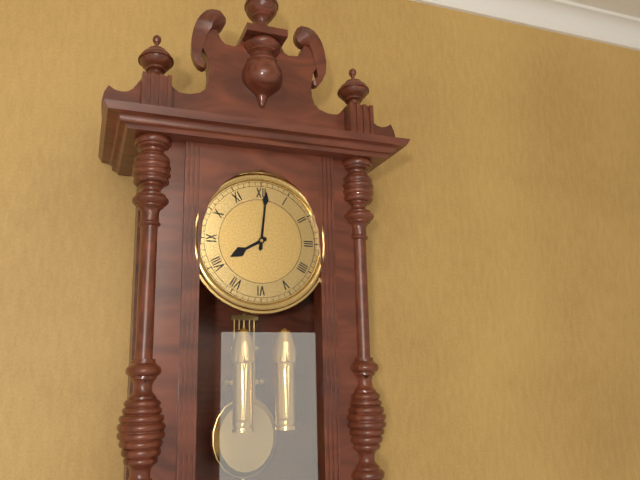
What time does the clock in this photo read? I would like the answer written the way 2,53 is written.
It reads 8,01
